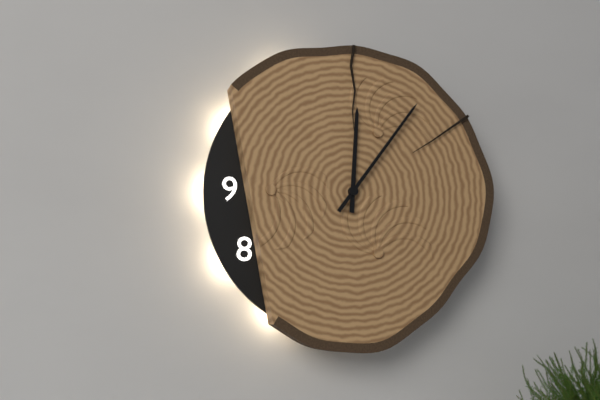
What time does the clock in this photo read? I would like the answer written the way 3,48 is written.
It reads 12,06
